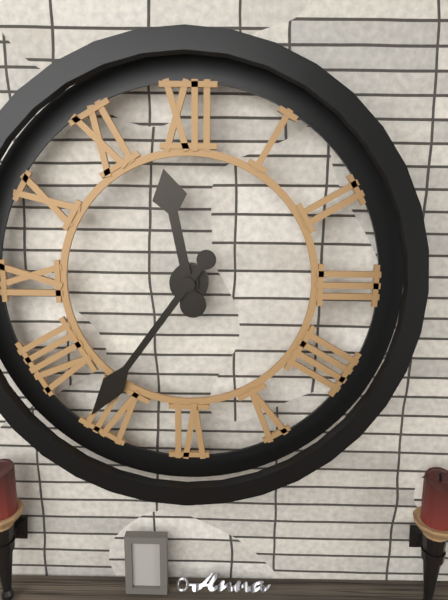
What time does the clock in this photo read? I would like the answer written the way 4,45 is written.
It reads 11,36
